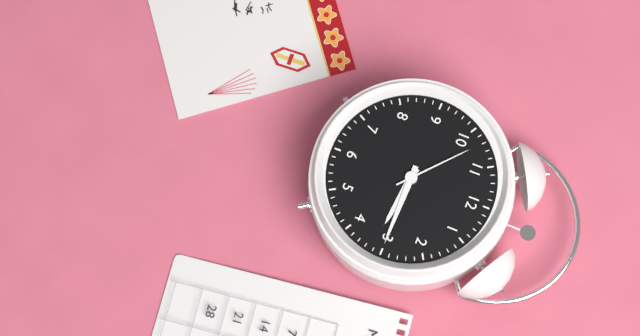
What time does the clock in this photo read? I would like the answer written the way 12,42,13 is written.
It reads 3,15,52
